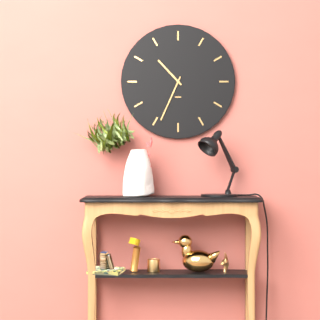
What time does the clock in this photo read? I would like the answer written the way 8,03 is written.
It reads 10,34
